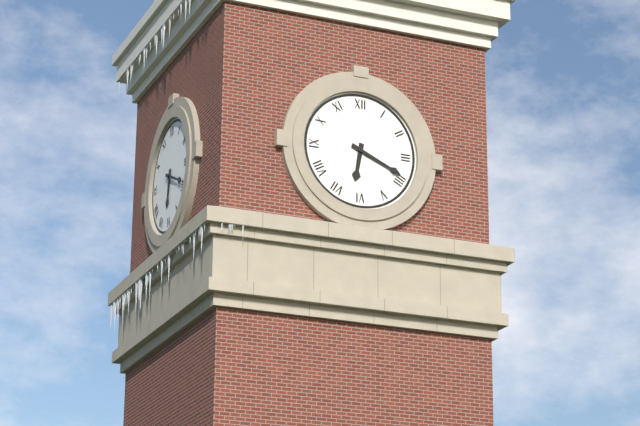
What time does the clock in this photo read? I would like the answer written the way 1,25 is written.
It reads 6,19
